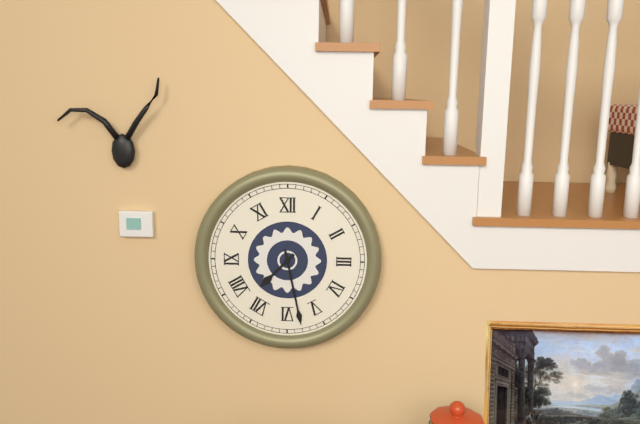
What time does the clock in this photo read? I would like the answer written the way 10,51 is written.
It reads 7,28
